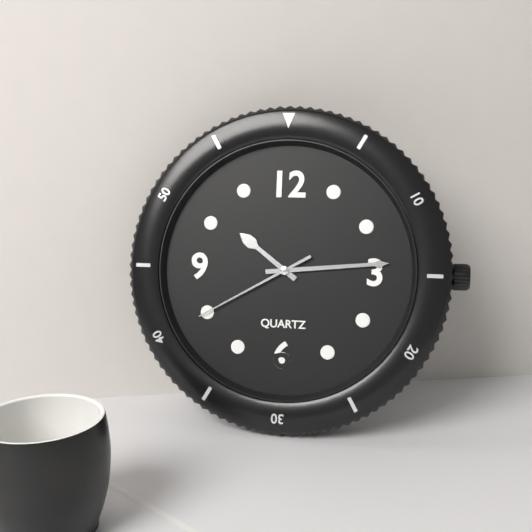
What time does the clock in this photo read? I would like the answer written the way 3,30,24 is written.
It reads 10,14,40
